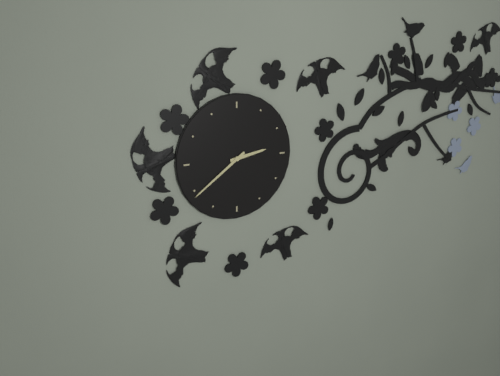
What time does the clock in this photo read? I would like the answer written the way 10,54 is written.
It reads 2,39
